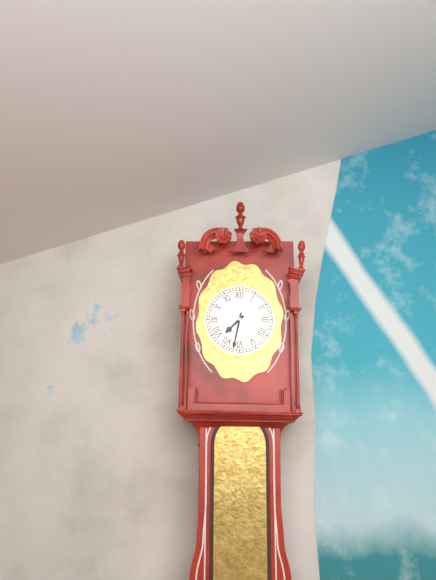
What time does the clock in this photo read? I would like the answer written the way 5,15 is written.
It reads 7,32
